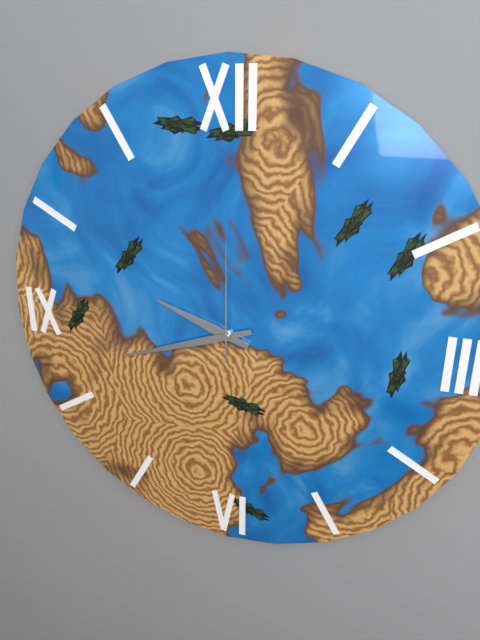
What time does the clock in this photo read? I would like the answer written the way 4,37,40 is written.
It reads 9,42,00
